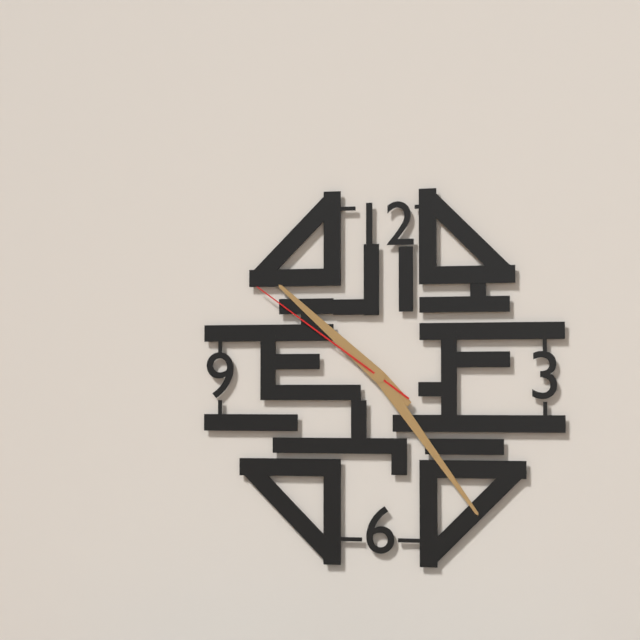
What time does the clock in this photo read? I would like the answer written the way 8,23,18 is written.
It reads 10,24,51
